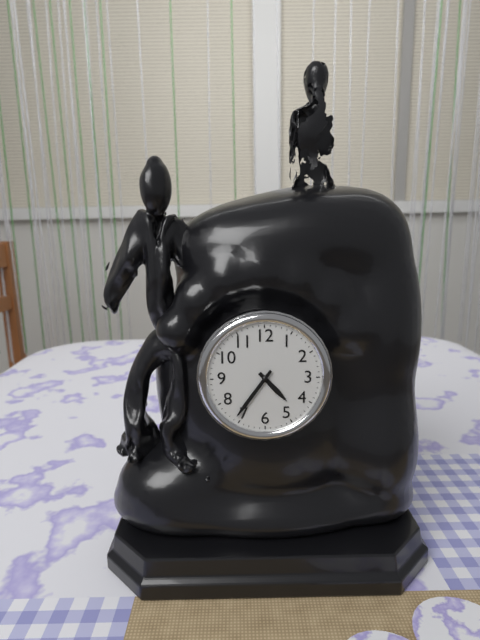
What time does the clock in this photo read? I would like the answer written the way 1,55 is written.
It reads 4,36
